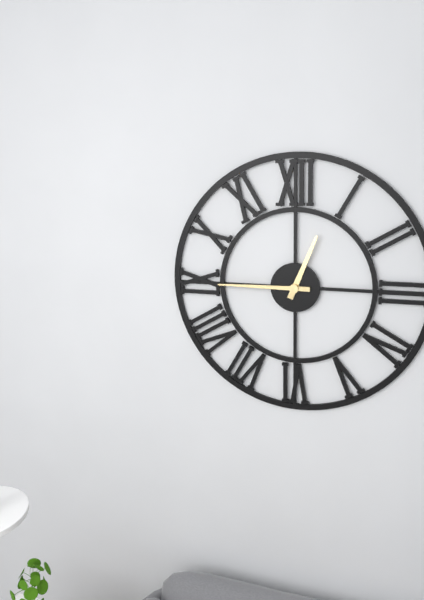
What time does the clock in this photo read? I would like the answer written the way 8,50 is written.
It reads 12,45
